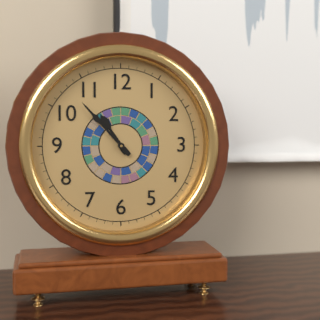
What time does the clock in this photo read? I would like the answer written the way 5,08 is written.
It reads 10,53
